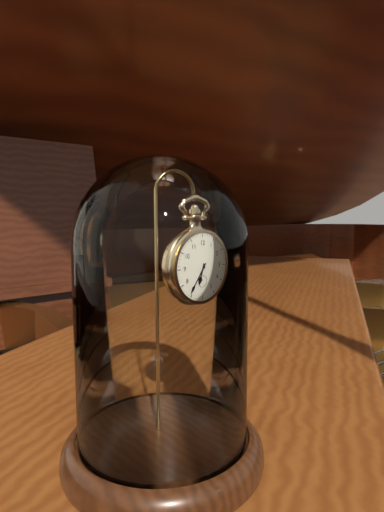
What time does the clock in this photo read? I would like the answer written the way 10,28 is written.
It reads 6,36
